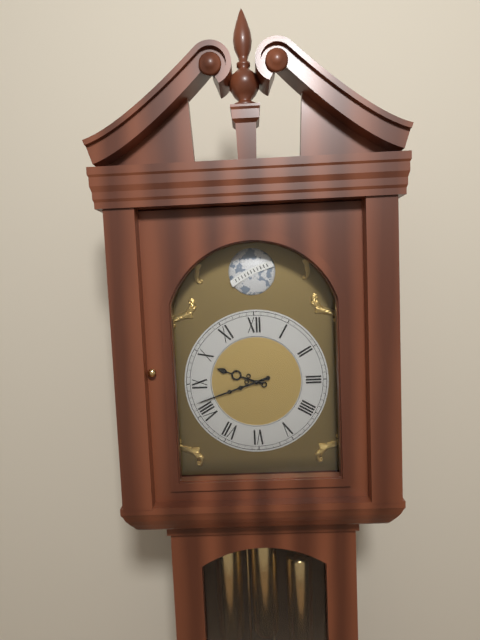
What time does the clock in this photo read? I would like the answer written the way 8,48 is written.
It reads 9,42
